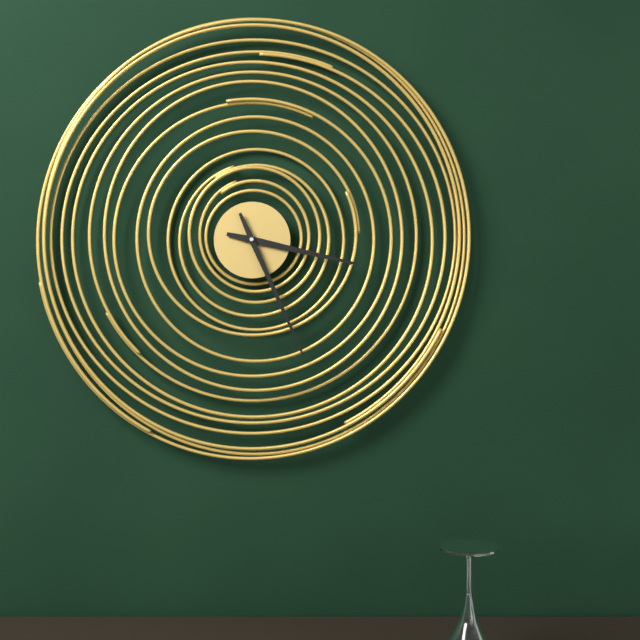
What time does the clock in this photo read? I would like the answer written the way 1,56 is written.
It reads 3,26
